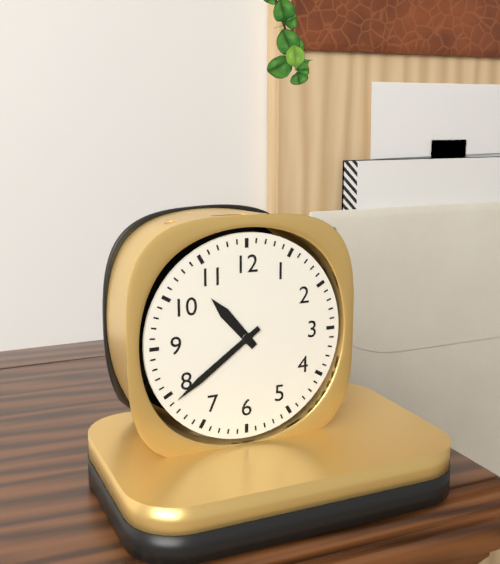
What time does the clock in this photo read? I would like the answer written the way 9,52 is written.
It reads 10,39
